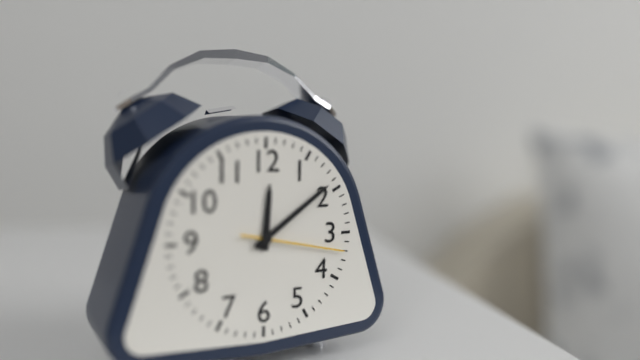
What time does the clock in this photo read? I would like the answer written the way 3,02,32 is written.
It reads 12,09,17
